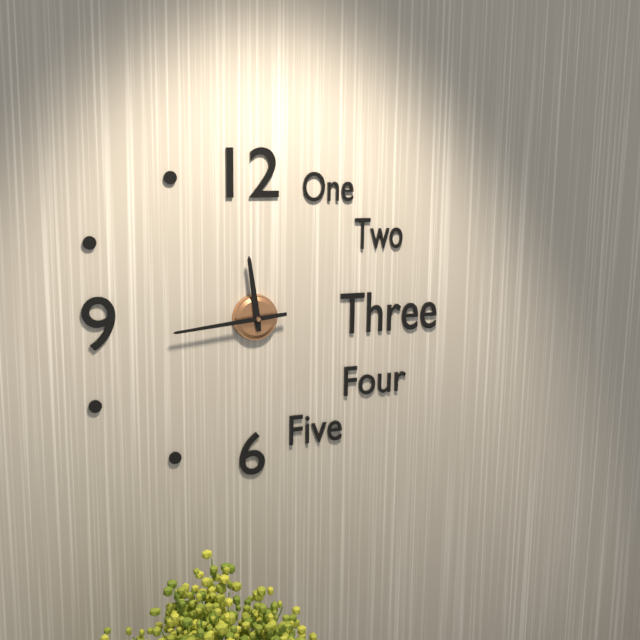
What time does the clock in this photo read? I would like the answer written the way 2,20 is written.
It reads 11,44
